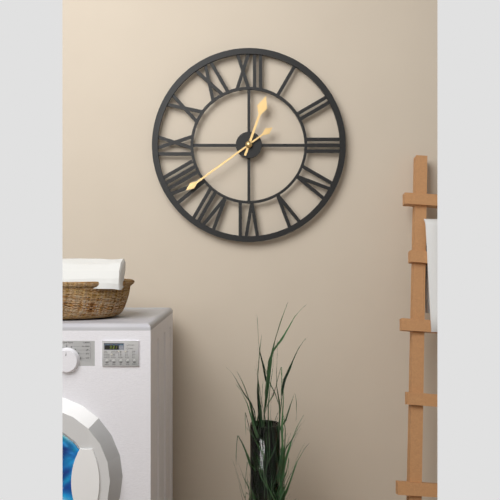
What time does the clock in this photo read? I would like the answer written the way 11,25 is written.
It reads 12,39
